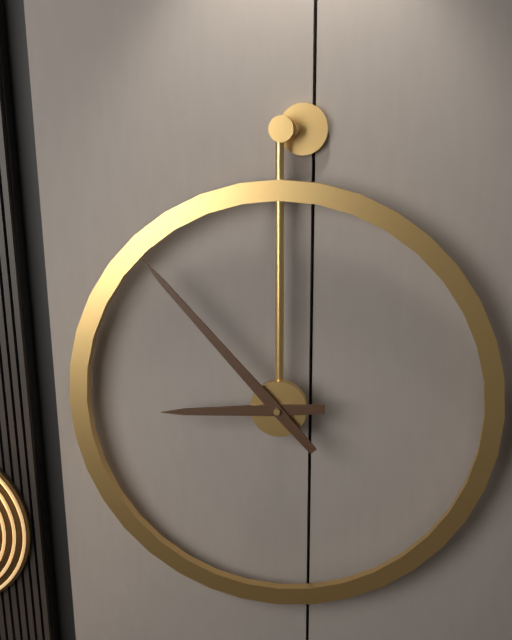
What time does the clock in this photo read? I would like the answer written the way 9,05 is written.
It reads 8,53
